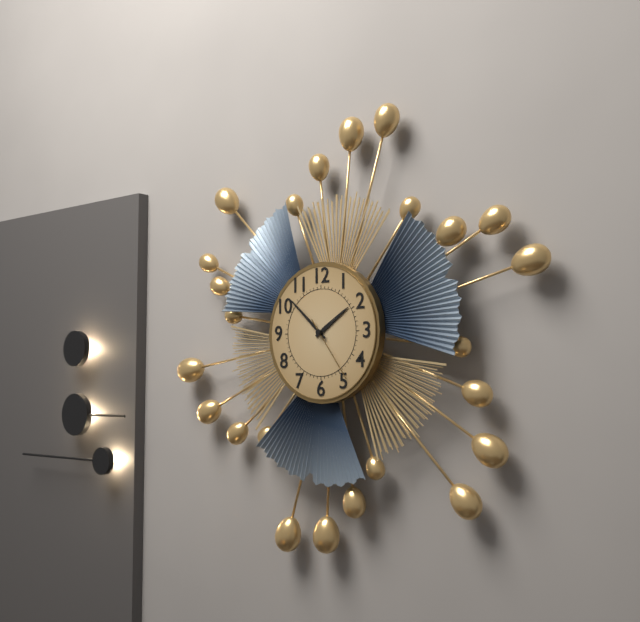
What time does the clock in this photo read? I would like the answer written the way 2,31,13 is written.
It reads 1,52,24
